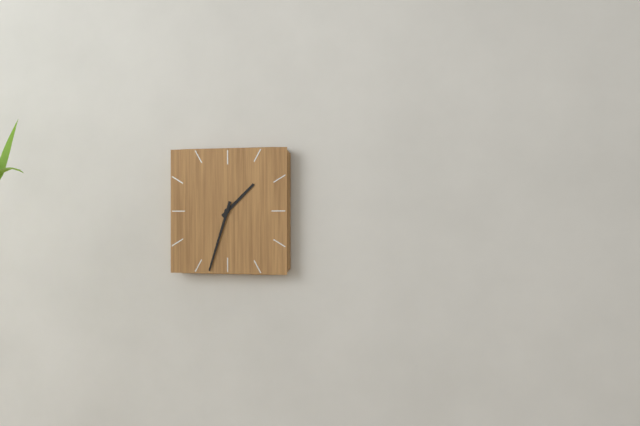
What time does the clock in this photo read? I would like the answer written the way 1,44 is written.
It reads 1,33
